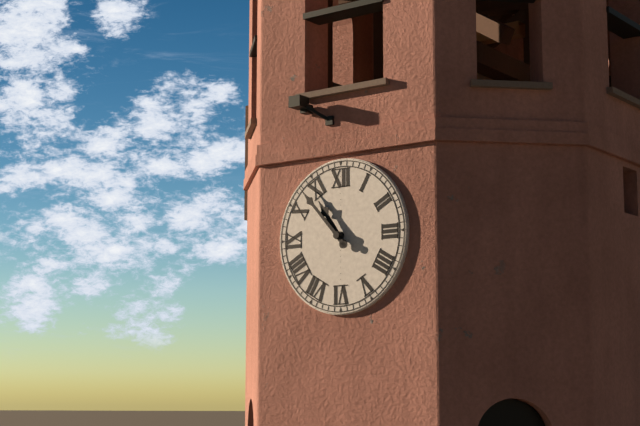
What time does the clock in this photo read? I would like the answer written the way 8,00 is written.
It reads 10,53
